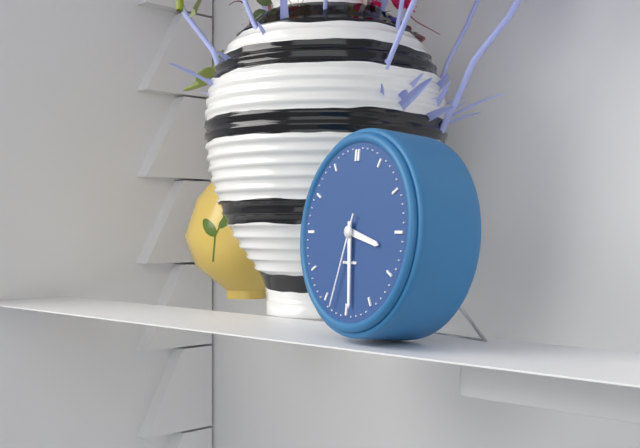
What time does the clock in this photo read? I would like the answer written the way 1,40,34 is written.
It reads 3,29,33
